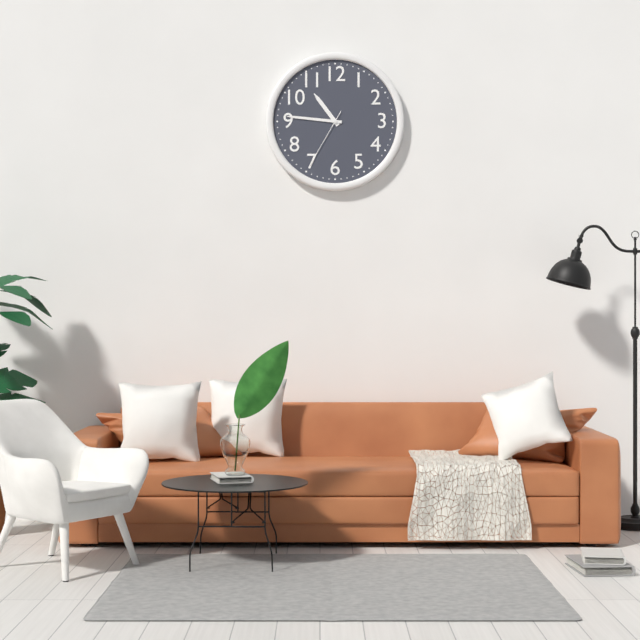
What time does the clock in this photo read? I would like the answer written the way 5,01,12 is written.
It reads 10,46,35
